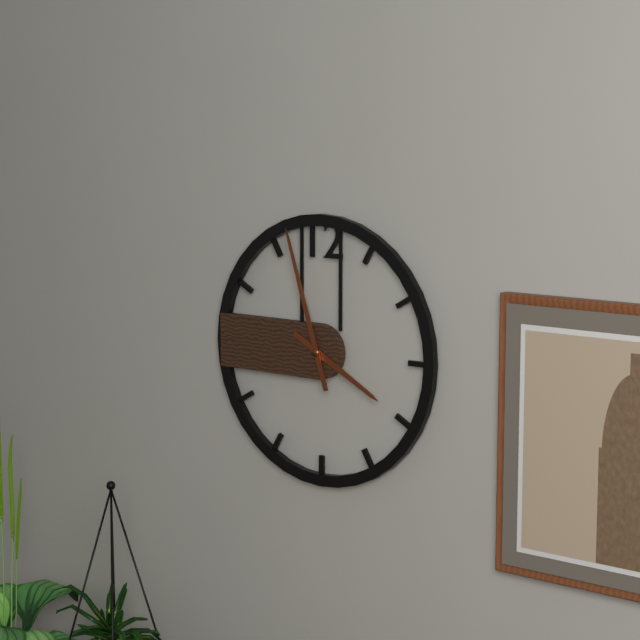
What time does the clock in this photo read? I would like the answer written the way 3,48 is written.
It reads 3,57
